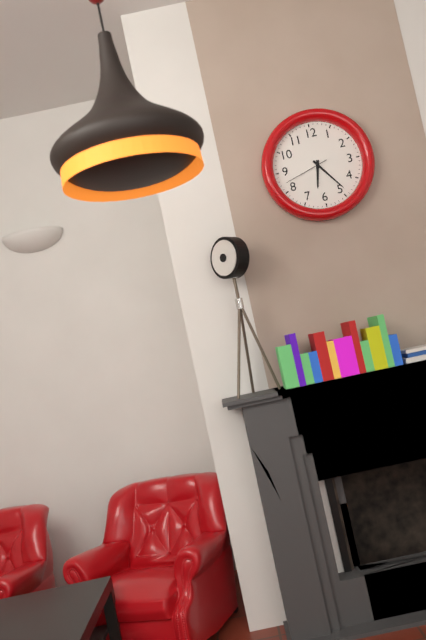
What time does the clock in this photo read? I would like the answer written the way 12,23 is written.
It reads 6,24
